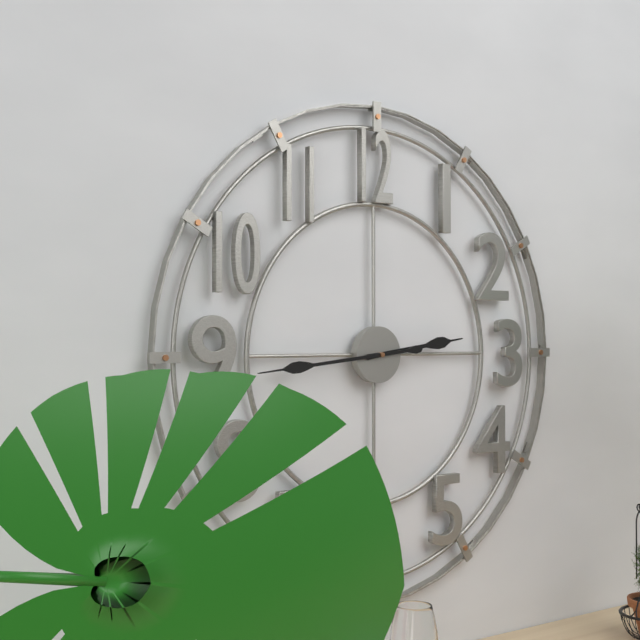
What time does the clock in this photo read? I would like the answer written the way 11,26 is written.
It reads 2,44
